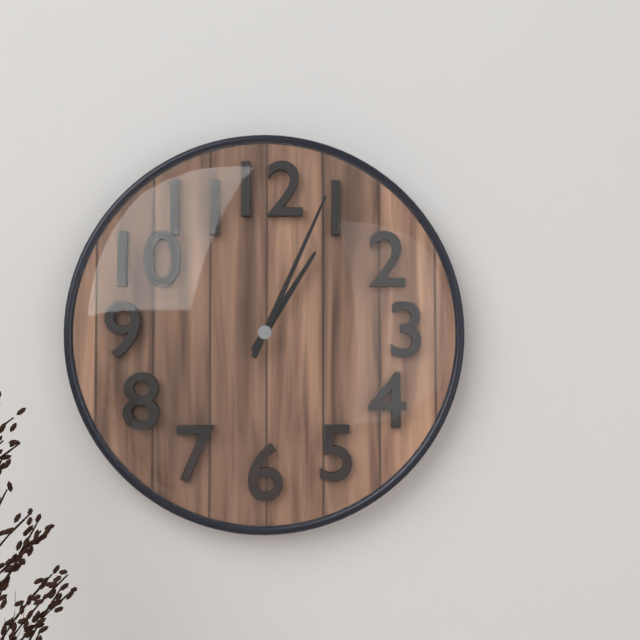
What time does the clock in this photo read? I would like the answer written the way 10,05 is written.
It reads 1,04
